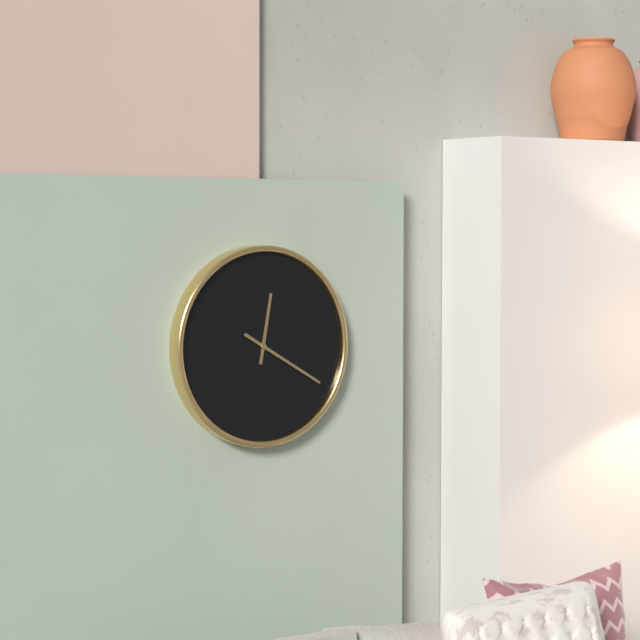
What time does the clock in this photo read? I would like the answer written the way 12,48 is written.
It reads 12,20
